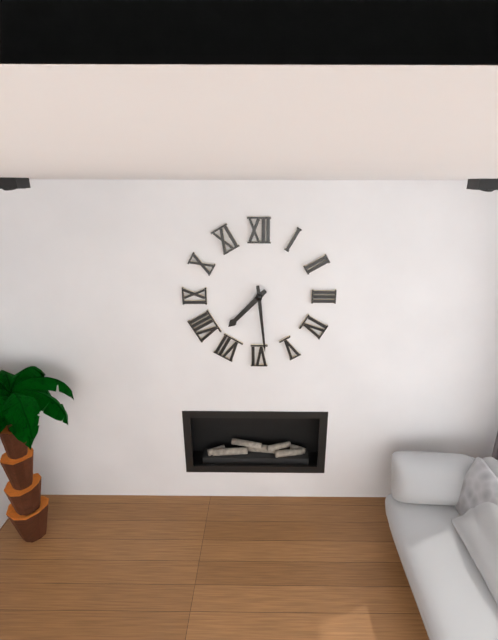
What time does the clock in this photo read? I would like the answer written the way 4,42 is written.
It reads 7,29
